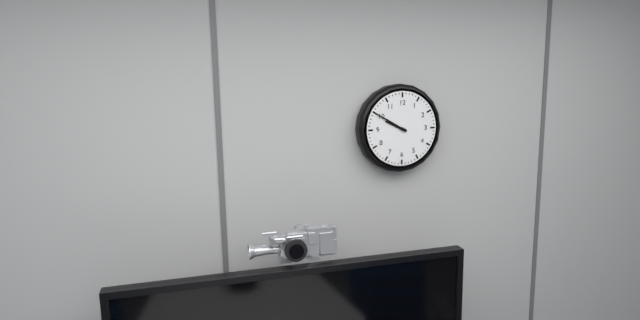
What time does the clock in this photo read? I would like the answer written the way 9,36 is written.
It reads 9,50
